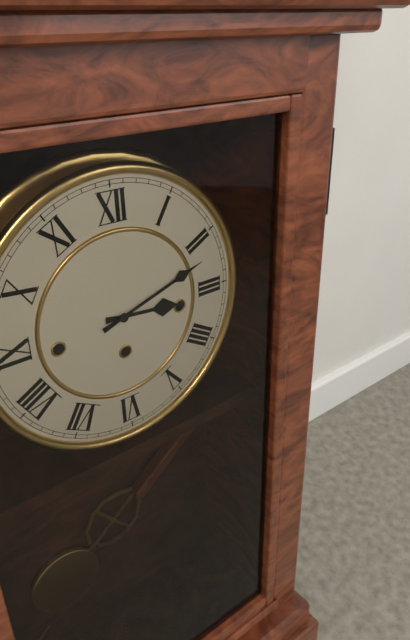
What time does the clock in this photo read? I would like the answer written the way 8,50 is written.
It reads 3,12
